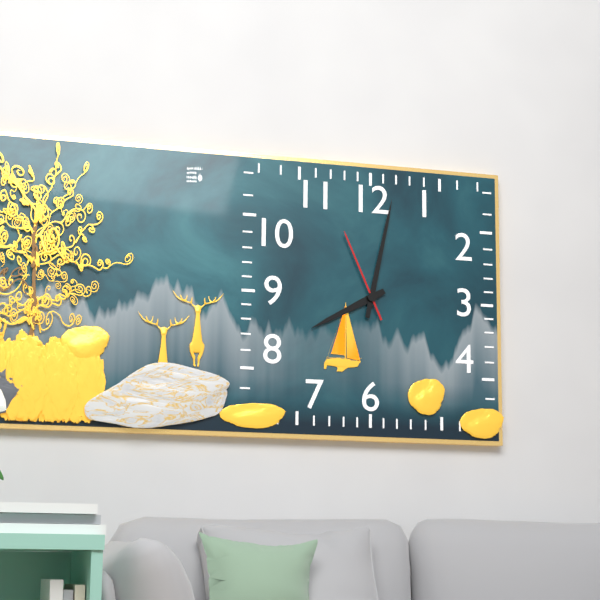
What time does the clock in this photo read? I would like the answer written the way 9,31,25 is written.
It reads 8,02,56
